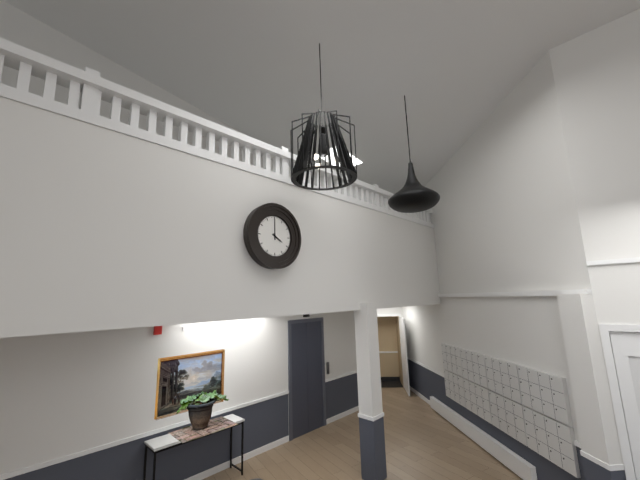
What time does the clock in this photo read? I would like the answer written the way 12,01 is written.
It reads 4,00
